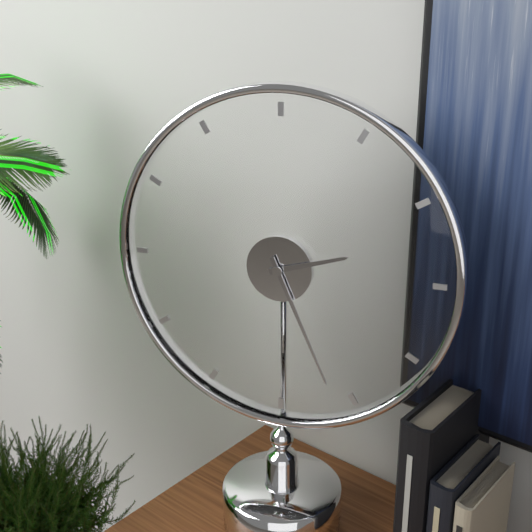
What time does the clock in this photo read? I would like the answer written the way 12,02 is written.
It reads 2,26
